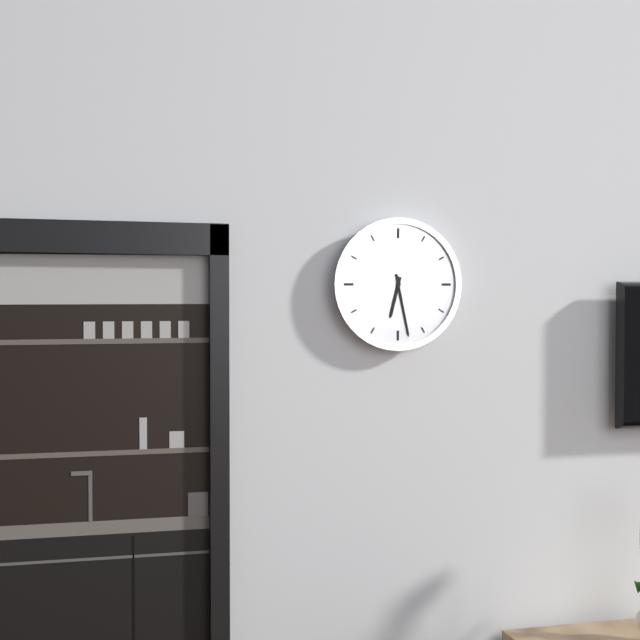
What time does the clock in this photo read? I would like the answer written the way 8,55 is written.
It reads 6,28
